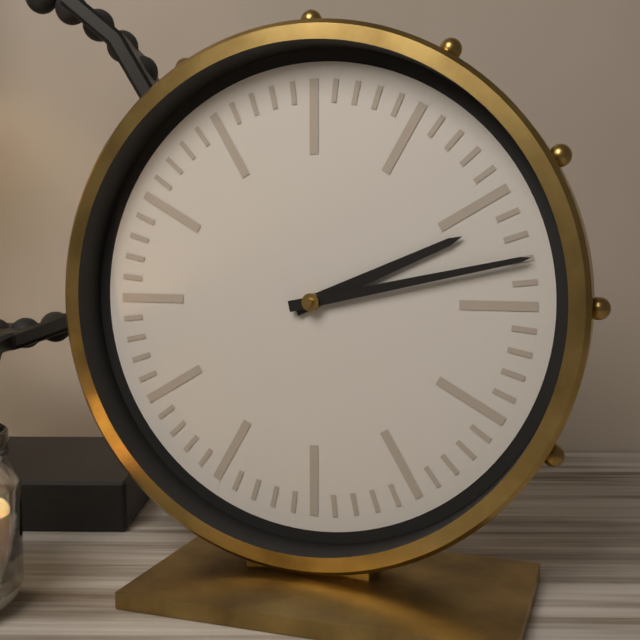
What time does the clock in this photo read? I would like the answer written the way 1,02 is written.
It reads 2,13
